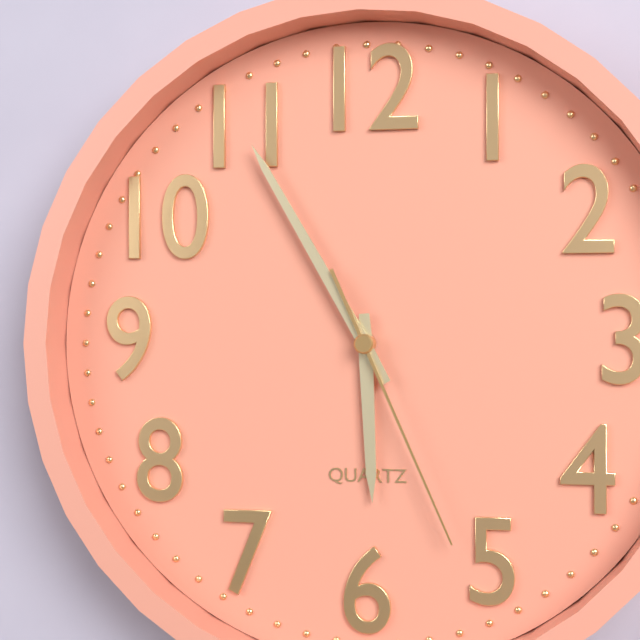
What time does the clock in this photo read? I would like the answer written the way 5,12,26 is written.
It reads 5,55,26
